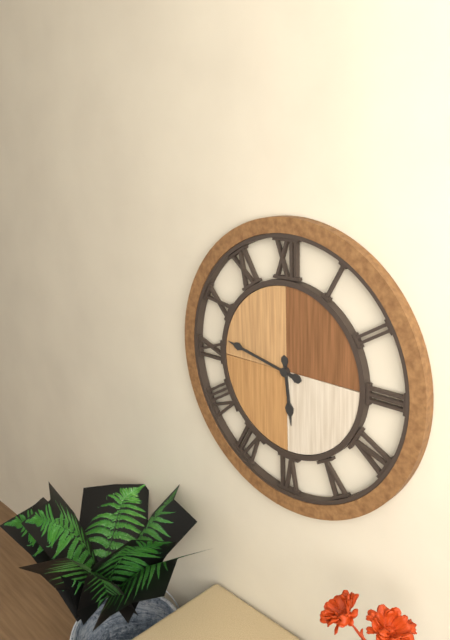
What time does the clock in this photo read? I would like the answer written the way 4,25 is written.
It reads 5,47
